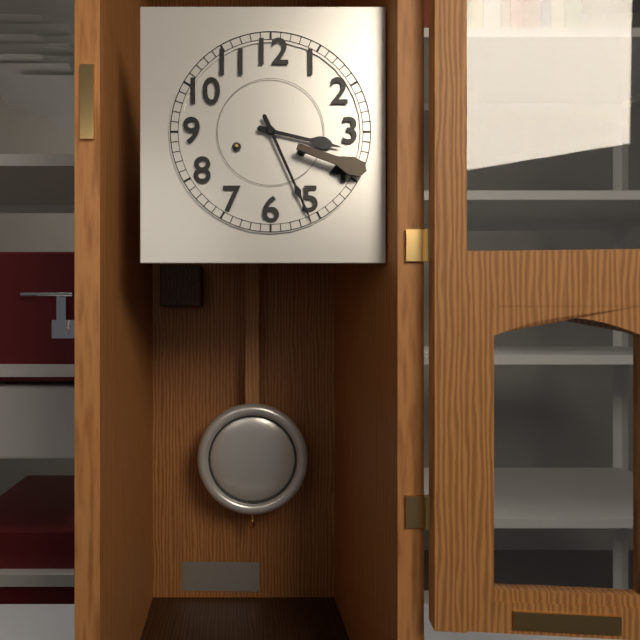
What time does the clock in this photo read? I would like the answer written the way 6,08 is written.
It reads 3,26
